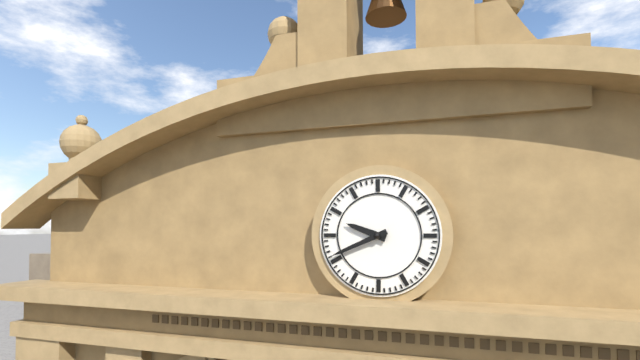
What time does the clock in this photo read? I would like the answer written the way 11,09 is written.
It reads 9,41
